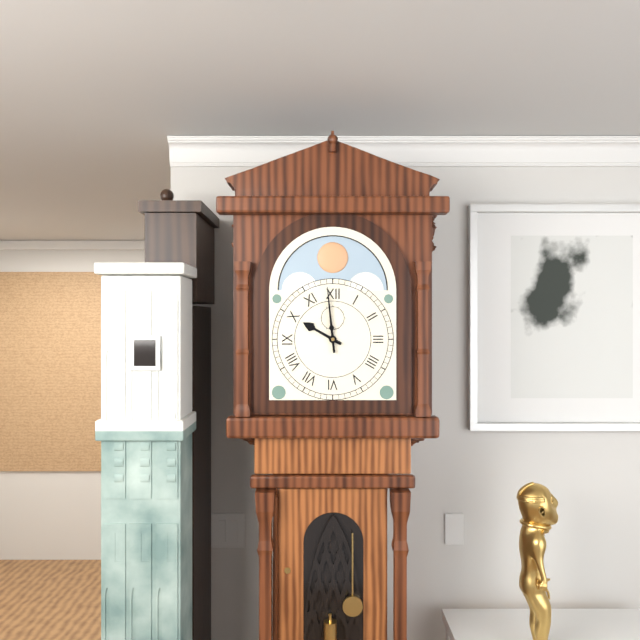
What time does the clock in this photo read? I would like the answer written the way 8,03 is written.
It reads 9,59
